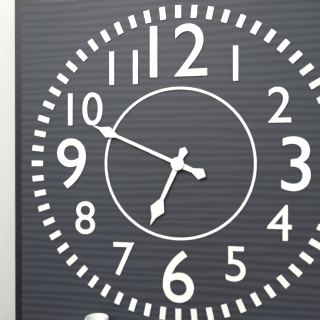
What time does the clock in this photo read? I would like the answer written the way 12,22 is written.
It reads 6,49
